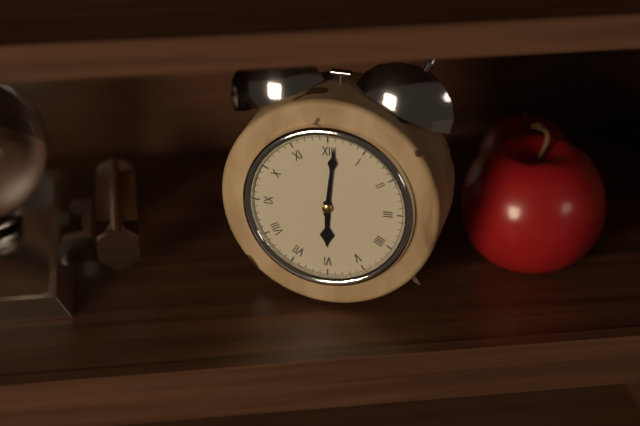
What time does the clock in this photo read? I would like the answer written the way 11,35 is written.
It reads 6,01
